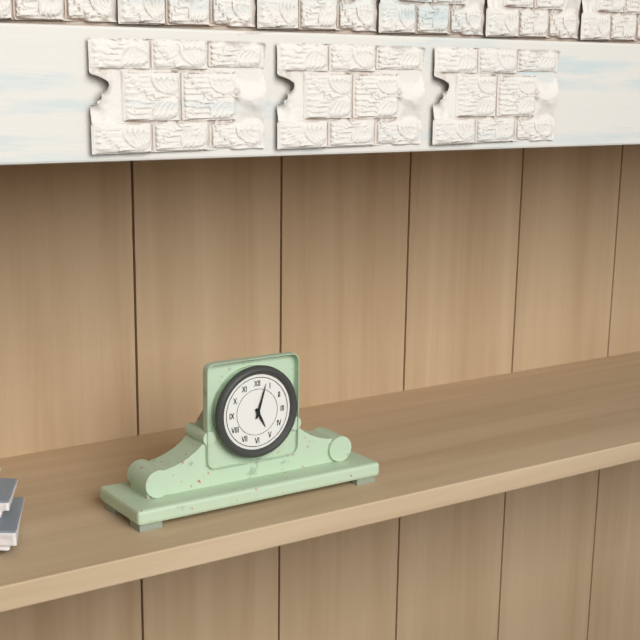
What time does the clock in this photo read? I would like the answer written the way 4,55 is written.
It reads 5,03
